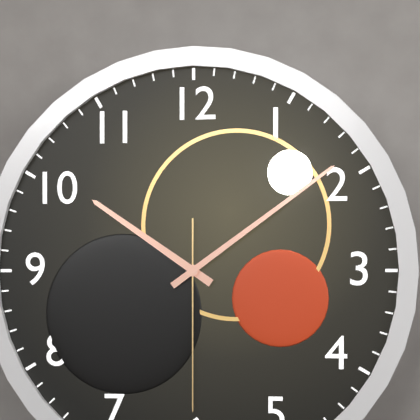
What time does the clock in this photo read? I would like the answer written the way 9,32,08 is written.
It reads 10,09,30
